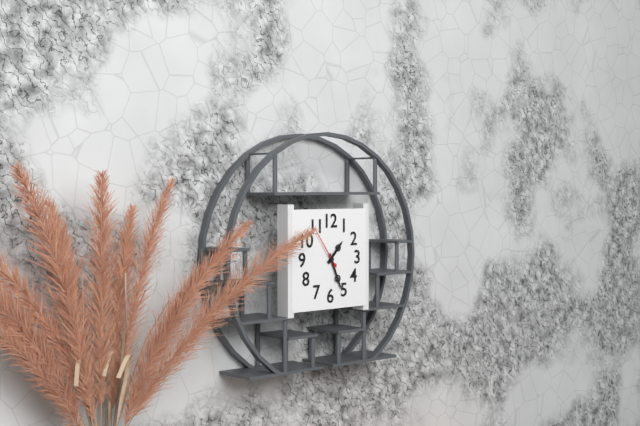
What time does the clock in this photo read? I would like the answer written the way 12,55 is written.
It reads 1,26
